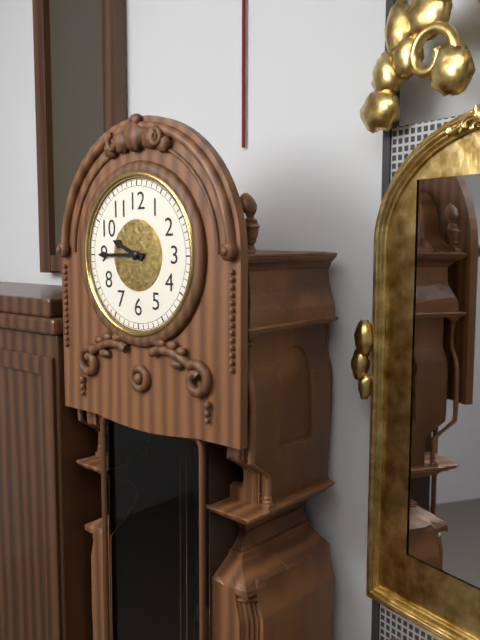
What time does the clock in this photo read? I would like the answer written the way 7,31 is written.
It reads 9,45
